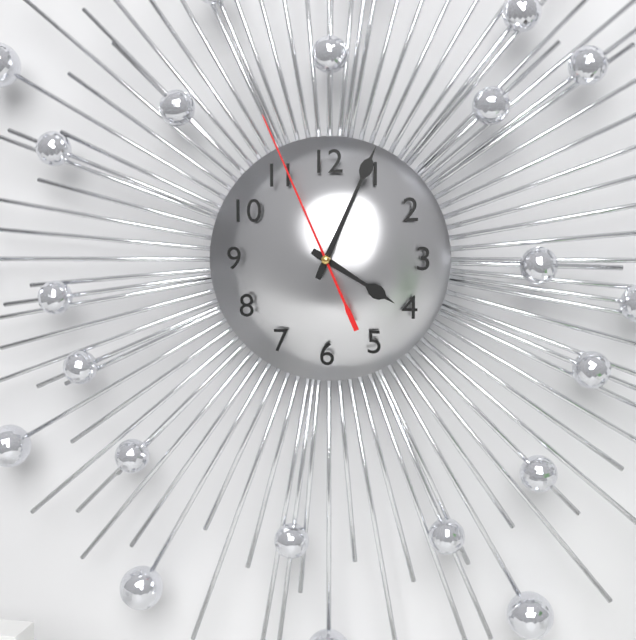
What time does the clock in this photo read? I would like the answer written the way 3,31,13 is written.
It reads 4,04,56
